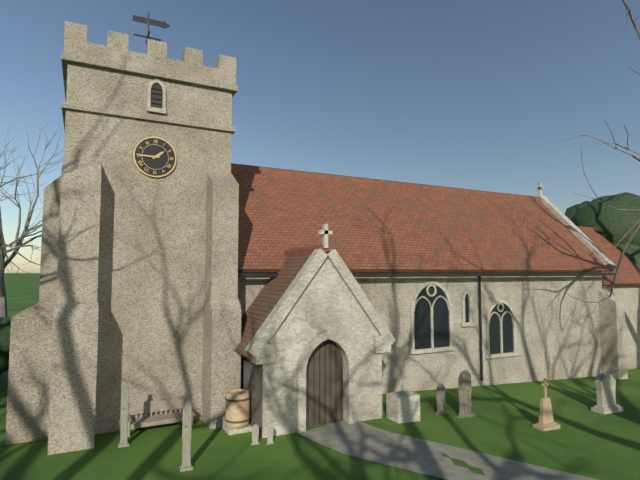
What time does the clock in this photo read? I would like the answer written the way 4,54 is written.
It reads 1,45
